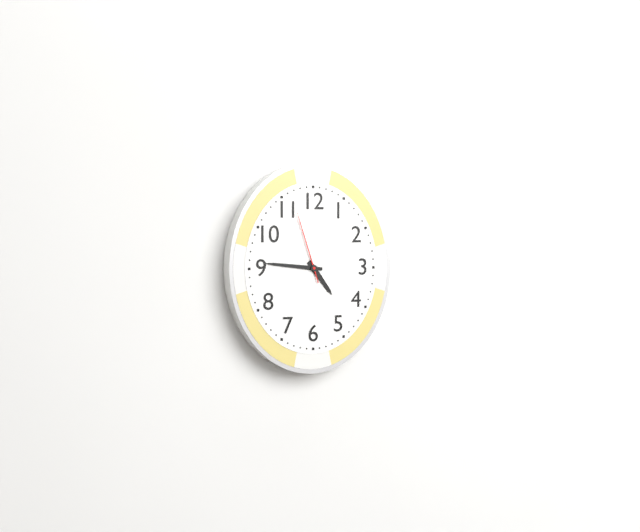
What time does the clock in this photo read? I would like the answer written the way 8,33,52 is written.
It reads 4,46,57
